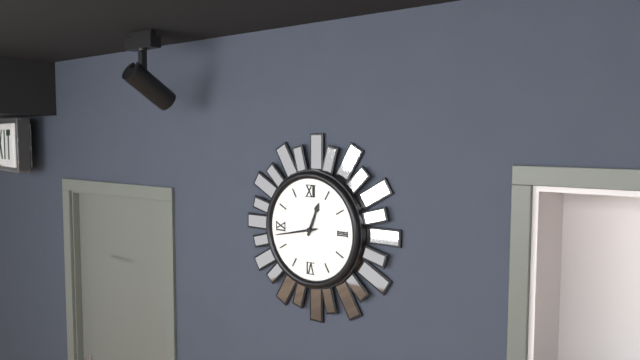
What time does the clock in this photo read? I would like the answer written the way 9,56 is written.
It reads 12,43
